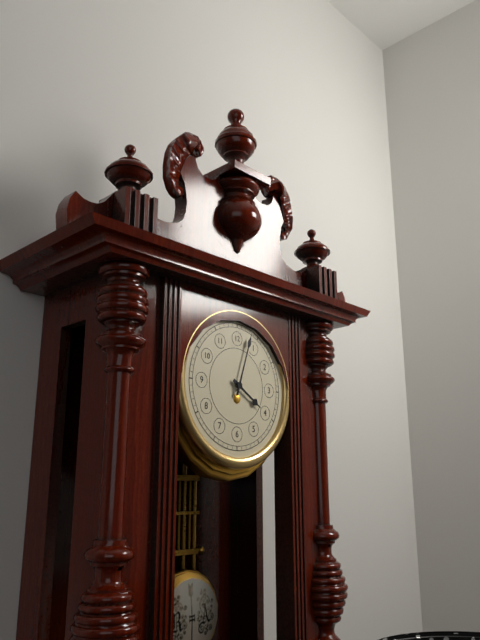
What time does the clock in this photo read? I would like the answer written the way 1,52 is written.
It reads 4,03
